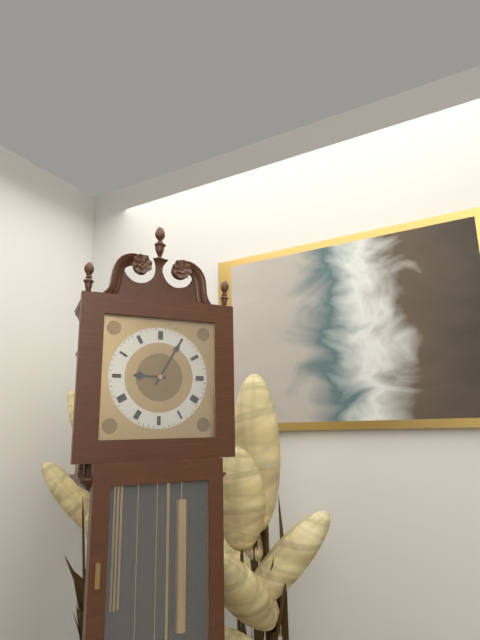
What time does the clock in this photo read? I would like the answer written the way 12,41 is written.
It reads 9,05
